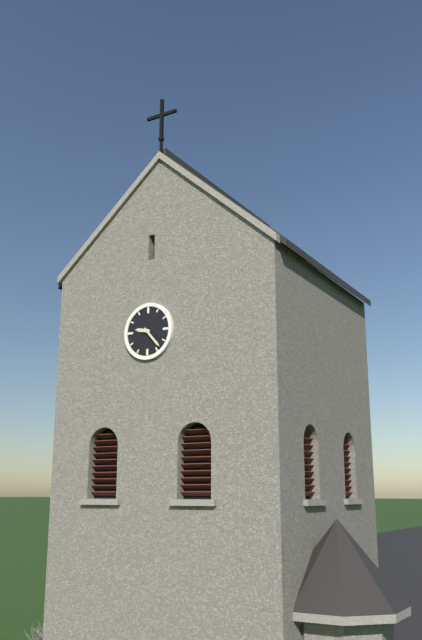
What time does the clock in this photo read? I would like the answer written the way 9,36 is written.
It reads 9,23
